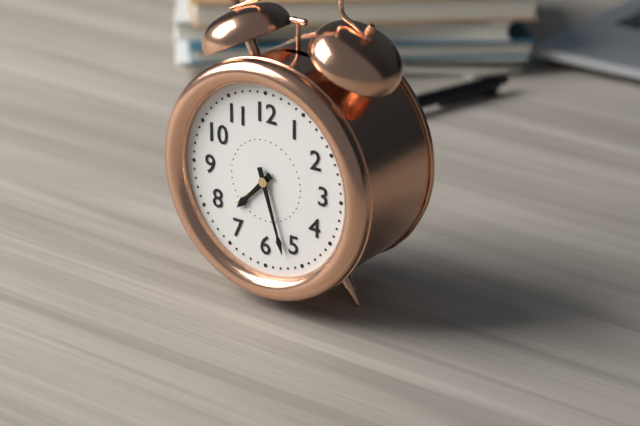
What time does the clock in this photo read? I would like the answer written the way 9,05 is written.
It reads 7,27
